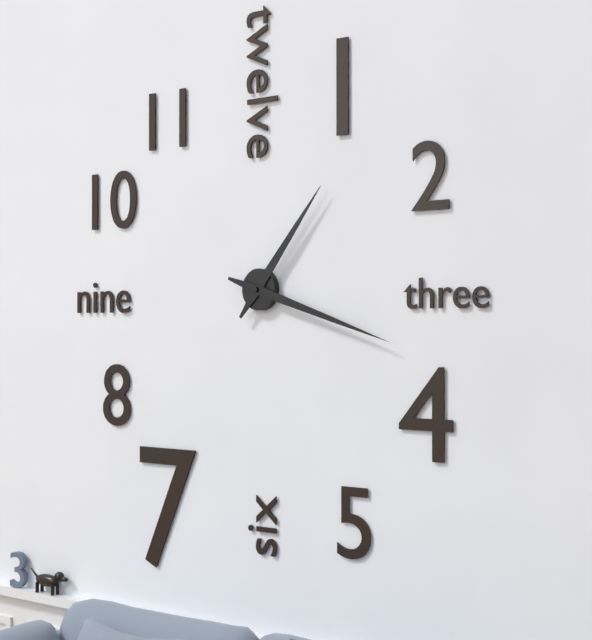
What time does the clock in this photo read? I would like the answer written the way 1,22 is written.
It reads 1,18
